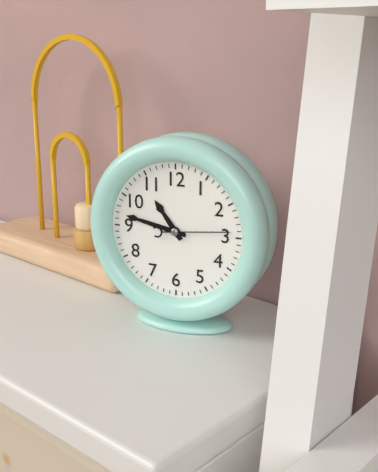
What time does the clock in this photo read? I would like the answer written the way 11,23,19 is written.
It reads 10,47,14
